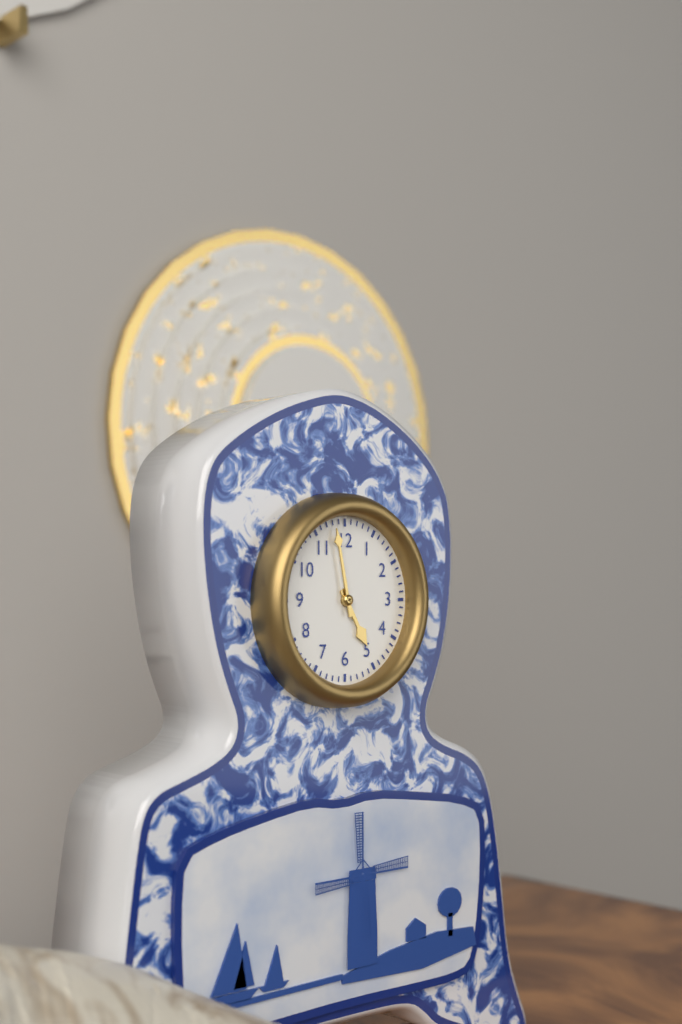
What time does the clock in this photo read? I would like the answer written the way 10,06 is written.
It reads 4,58
